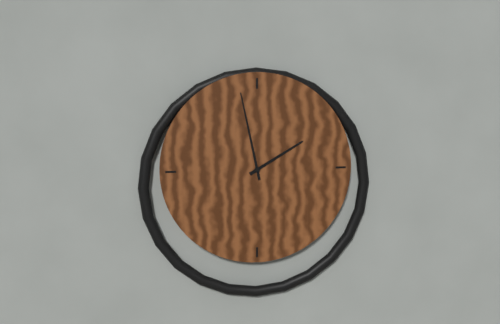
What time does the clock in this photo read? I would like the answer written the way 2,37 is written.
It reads 1,58
